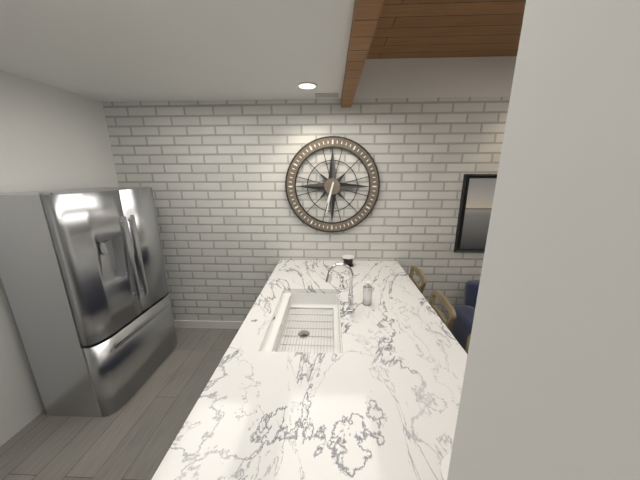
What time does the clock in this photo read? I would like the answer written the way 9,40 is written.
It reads 6,32
